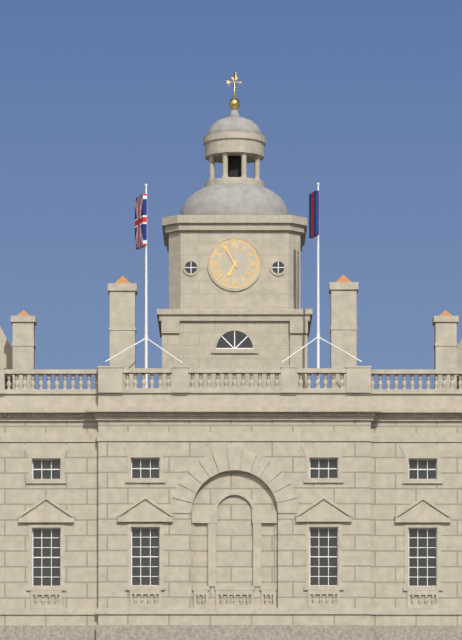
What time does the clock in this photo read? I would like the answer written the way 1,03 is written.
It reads 6,55
